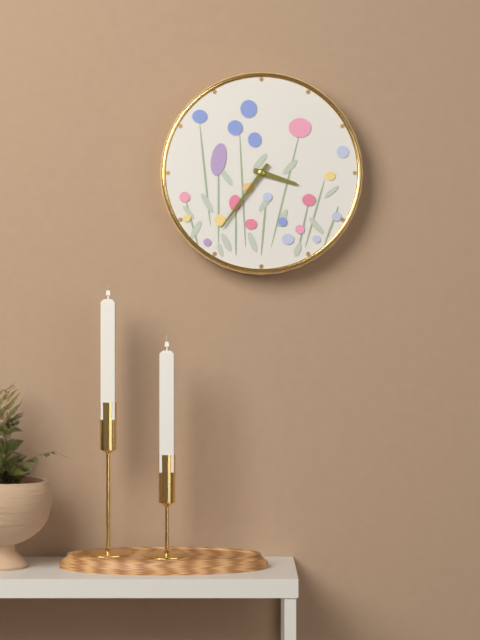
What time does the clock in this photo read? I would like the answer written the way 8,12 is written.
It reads 3,36
